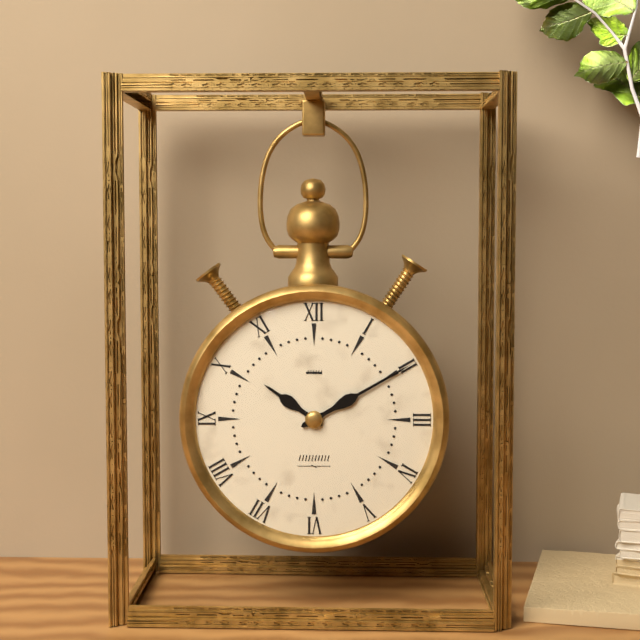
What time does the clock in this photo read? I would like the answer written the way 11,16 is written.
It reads 10,10
